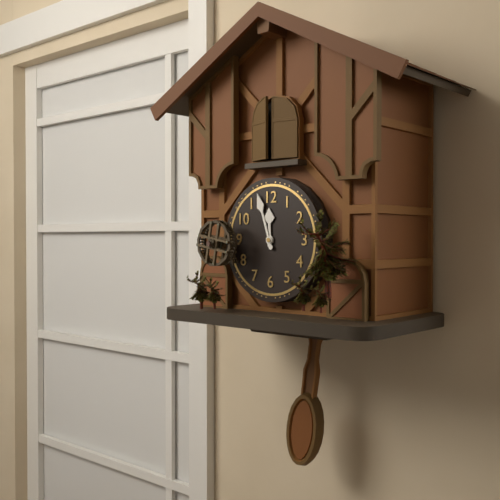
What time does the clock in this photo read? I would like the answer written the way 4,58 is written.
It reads 11,57
